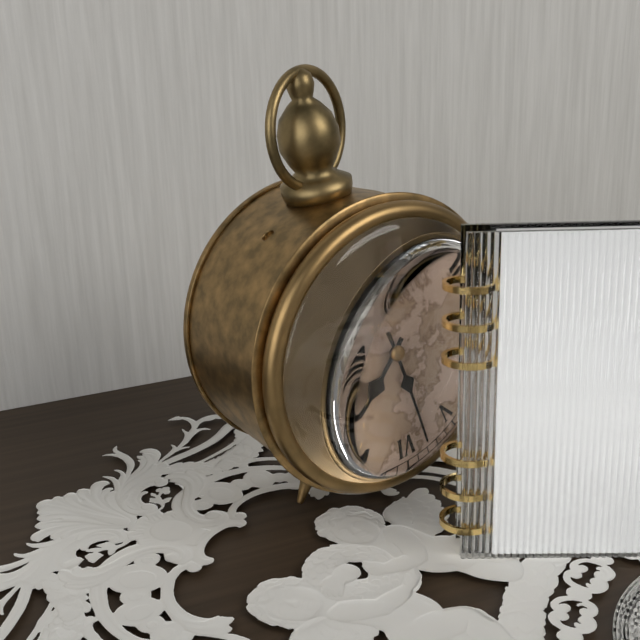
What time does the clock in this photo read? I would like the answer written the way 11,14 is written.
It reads 7,28
